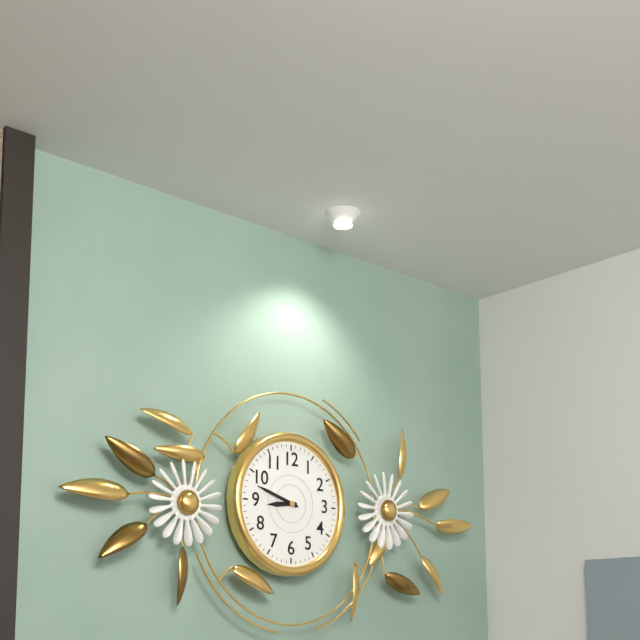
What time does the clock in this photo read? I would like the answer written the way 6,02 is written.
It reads 8,48
